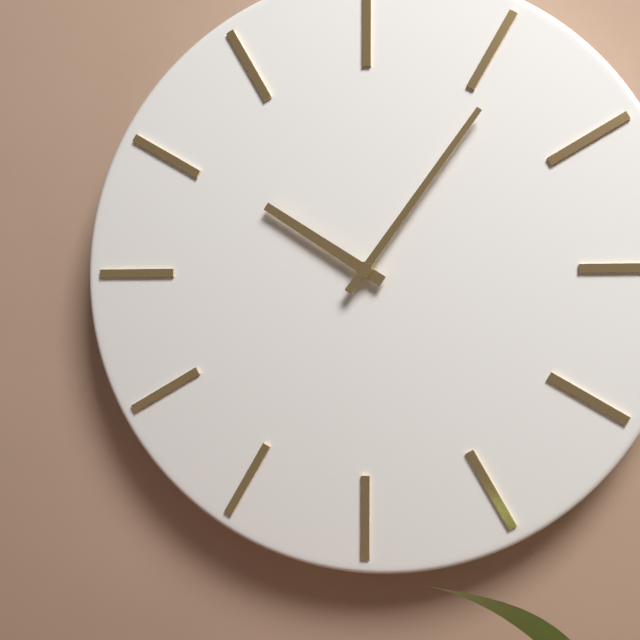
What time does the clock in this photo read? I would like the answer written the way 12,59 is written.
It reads 10,06
